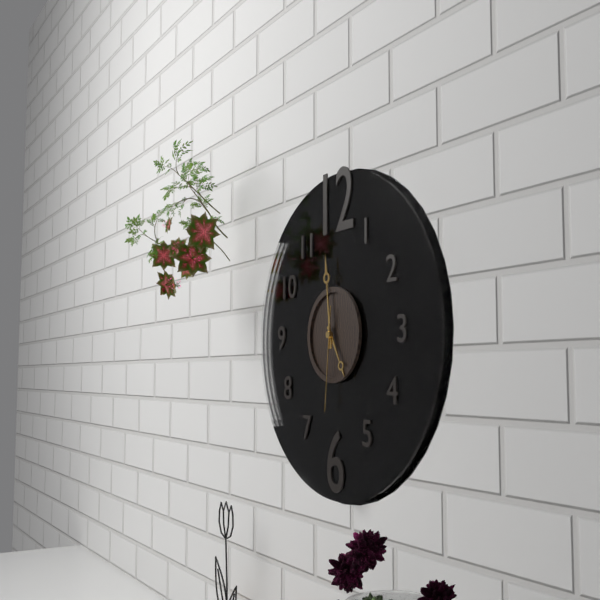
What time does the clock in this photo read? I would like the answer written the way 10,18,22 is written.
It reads 4,59,31
